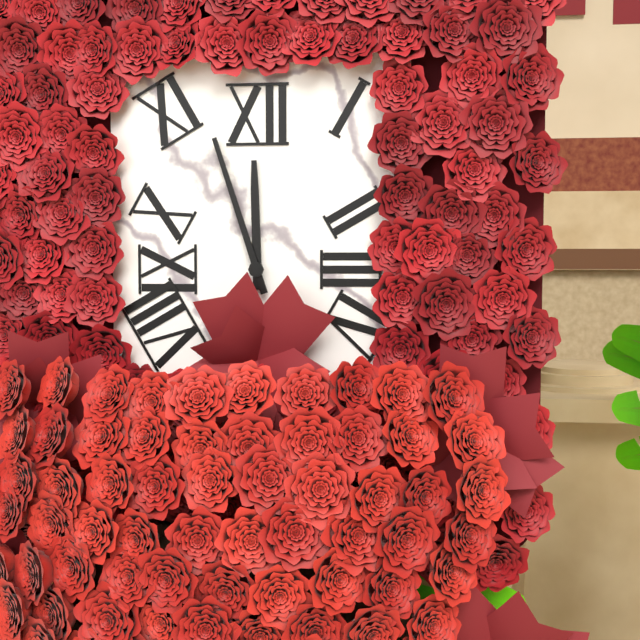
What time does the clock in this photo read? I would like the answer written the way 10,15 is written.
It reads 11,57
